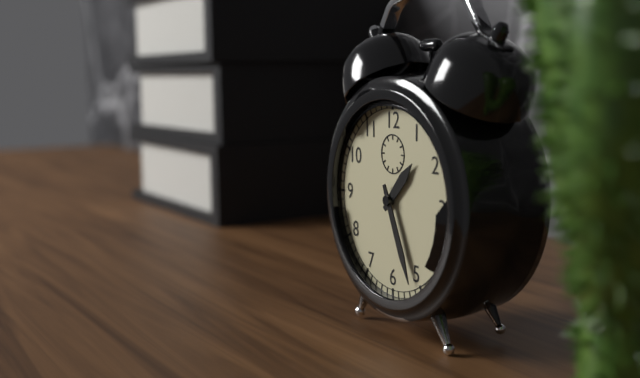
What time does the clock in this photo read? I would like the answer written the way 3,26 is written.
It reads 1,26
